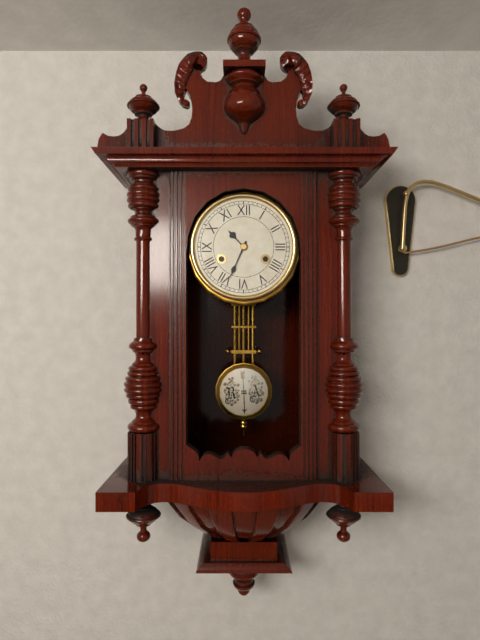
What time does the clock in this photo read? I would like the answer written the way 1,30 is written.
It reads 10,34
